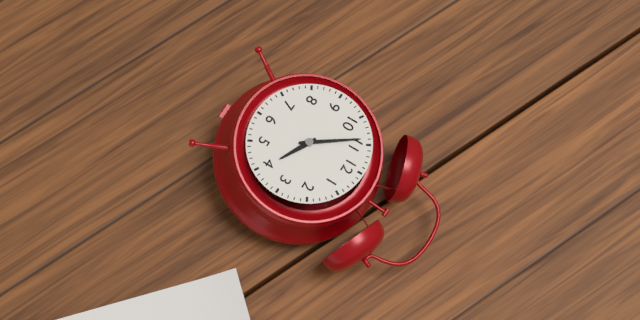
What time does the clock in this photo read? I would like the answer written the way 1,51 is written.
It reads 3,54
